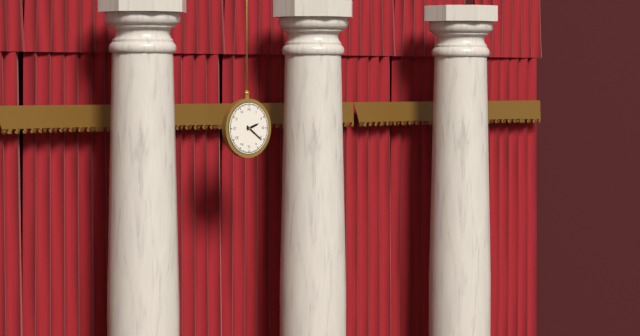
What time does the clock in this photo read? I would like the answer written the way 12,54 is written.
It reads 2,21
